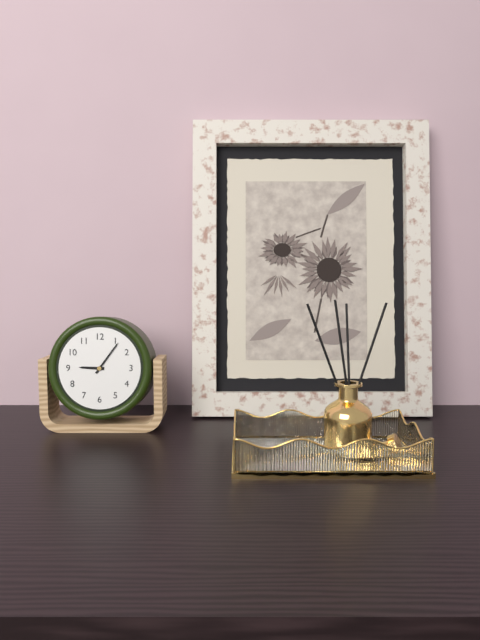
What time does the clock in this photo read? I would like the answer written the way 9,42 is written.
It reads 9,06
